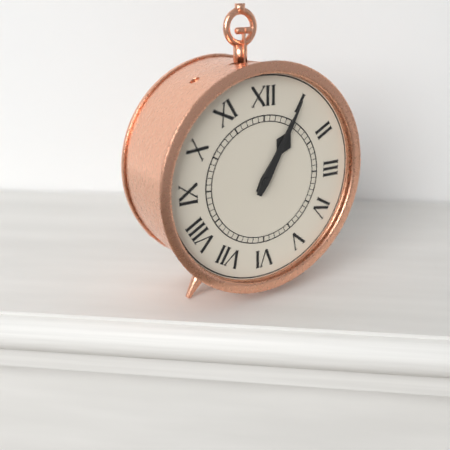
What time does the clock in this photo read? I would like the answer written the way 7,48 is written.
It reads 1,05
